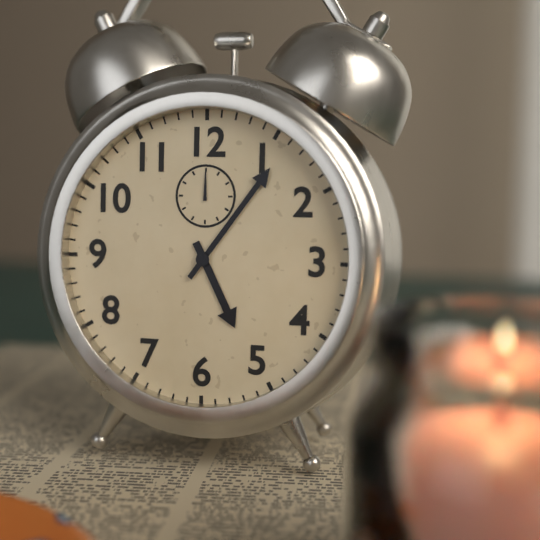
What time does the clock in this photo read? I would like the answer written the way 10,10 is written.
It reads 5,06
